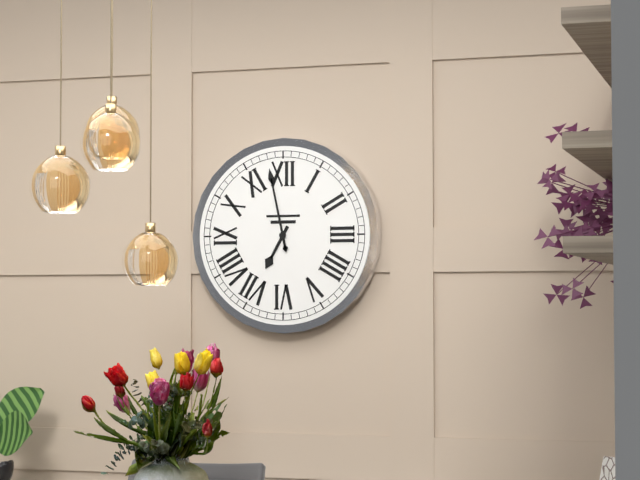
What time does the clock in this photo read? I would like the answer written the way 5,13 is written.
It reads 6,58
